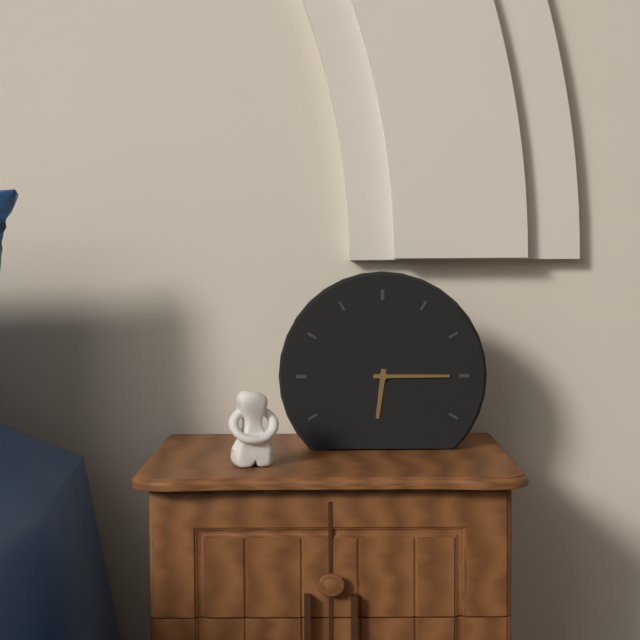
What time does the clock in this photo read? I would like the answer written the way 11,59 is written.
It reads 6,15
